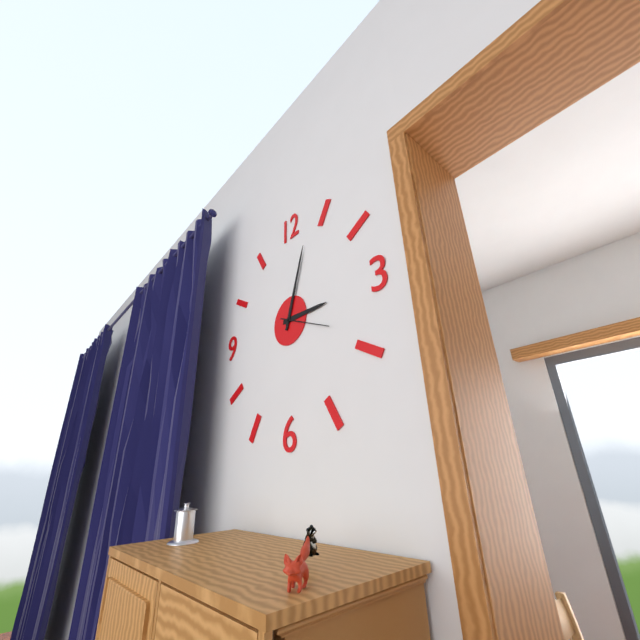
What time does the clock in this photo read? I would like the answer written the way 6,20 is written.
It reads 3,03
